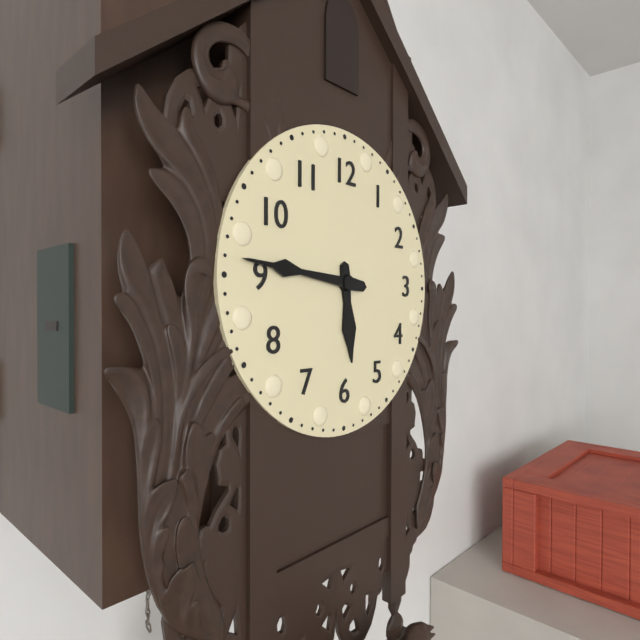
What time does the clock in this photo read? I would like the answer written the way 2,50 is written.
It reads 5,46
